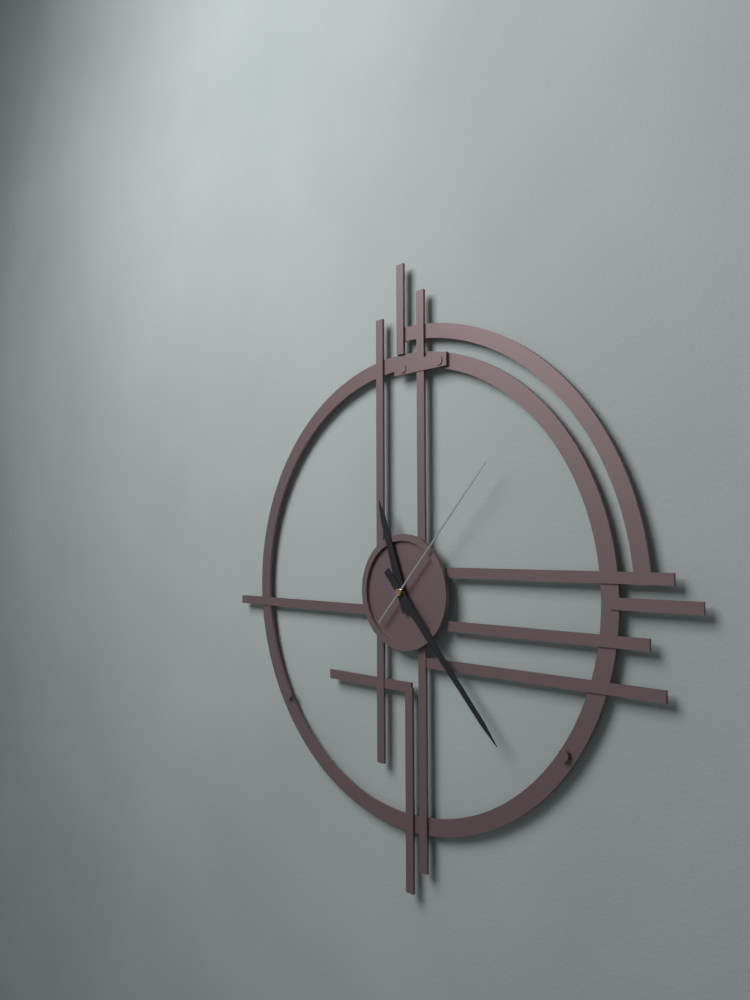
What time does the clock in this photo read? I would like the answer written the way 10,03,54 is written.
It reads 11,23,07
